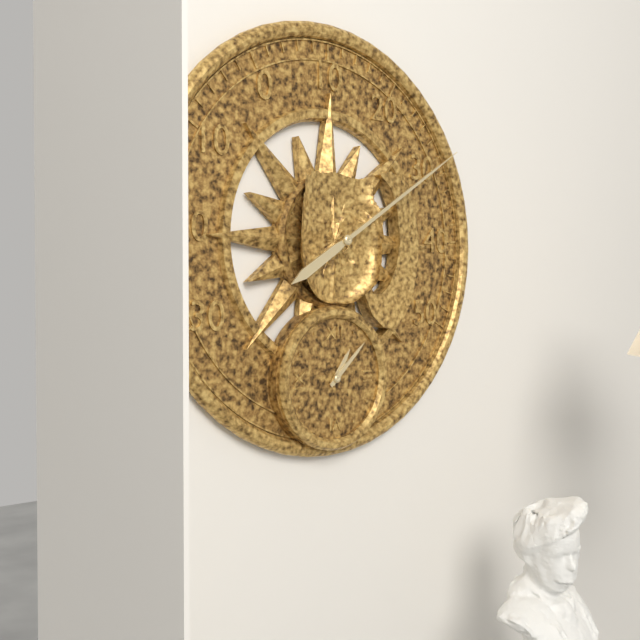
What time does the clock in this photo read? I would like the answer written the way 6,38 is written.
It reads 1,08
